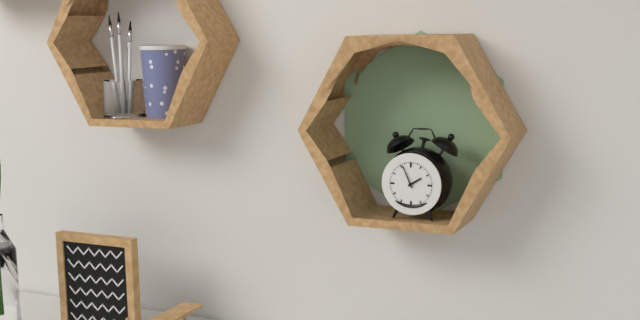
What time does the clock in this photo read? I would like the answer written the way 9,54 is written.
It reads 1,56
